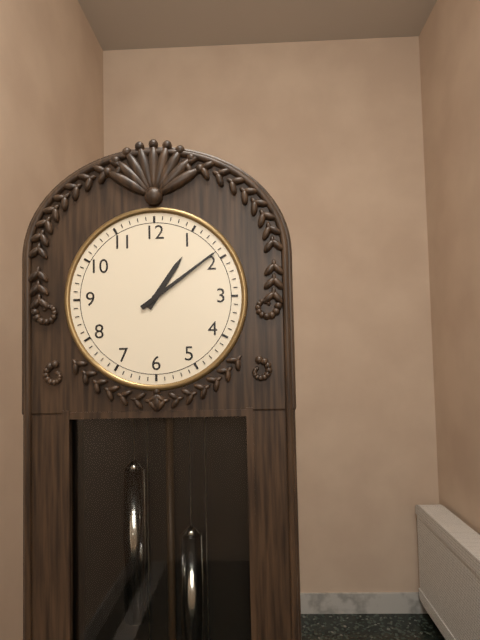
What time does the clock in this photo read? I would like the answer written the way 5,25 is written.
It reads 1,09
